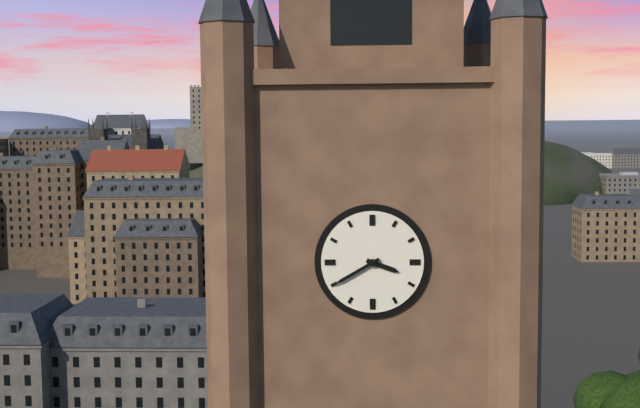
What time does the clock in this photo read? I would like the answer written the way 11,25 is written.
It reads 3,40
